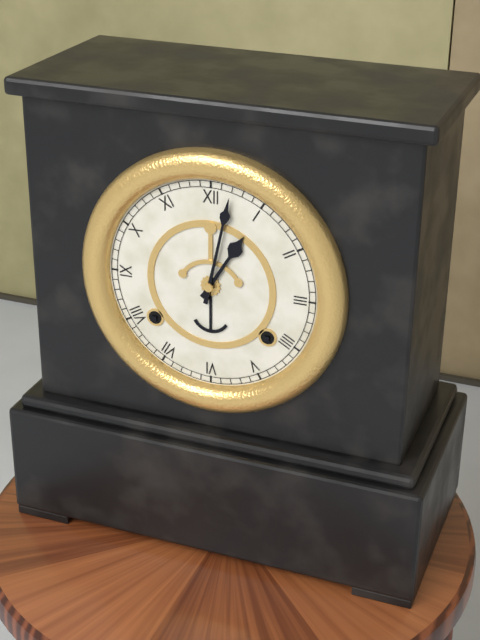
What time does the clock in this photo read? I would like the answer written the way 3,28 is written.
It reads 1,02
